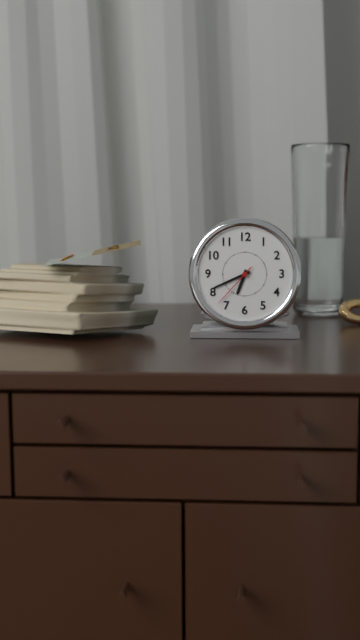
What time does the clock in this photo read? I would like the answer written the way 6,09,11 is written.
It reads 6,41,37
